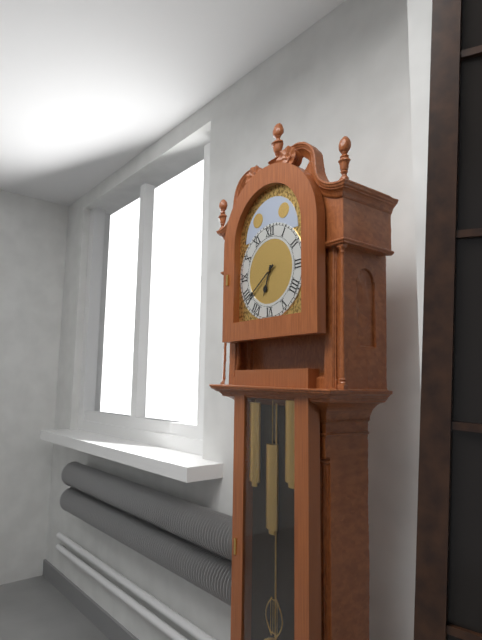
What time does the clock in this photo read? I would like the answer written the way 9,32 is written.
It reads 6,39
